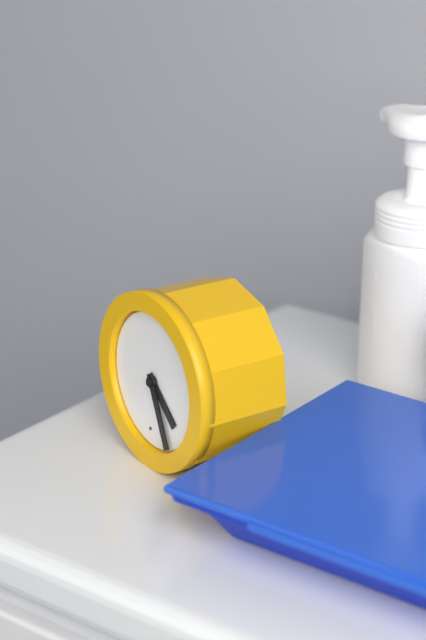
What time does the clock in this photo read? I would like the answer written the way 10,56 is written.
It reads 4,26
